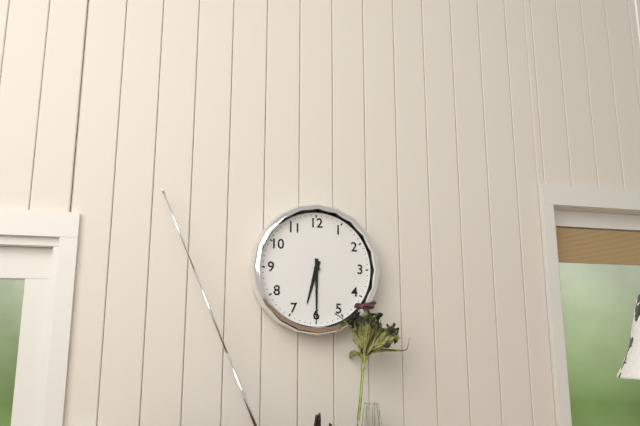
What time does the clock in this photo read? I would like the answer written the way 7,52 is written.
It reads 6,30
